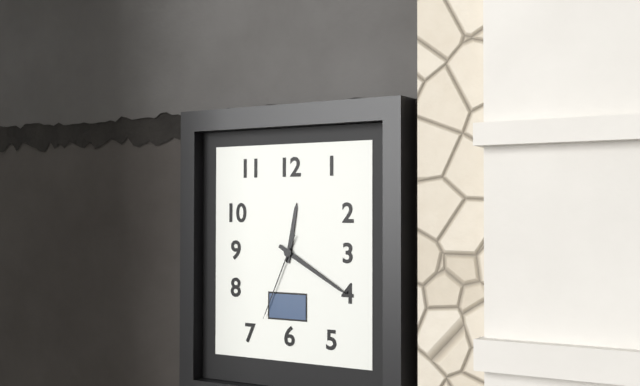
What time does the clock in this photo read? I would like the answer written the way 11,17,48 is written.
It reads 12,20,34
